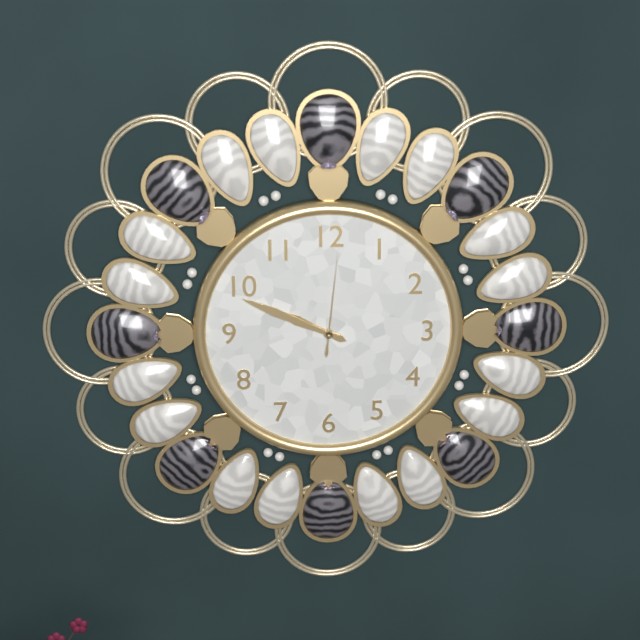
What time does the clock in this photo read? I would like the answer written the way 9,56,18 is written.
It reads 9,49,01
